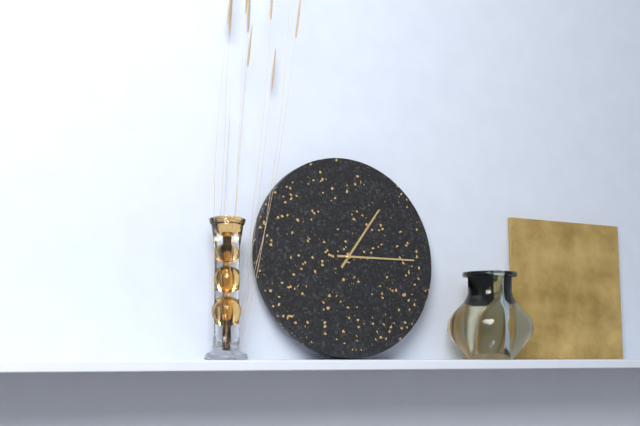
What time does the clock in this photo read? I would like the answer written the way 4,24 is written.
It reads 1,15
